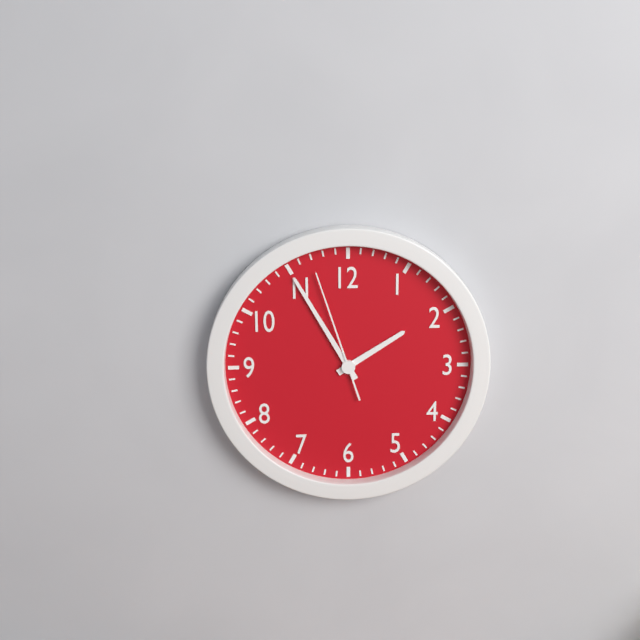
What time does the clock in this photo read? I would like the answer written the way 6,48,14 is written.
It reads 1,55,57
